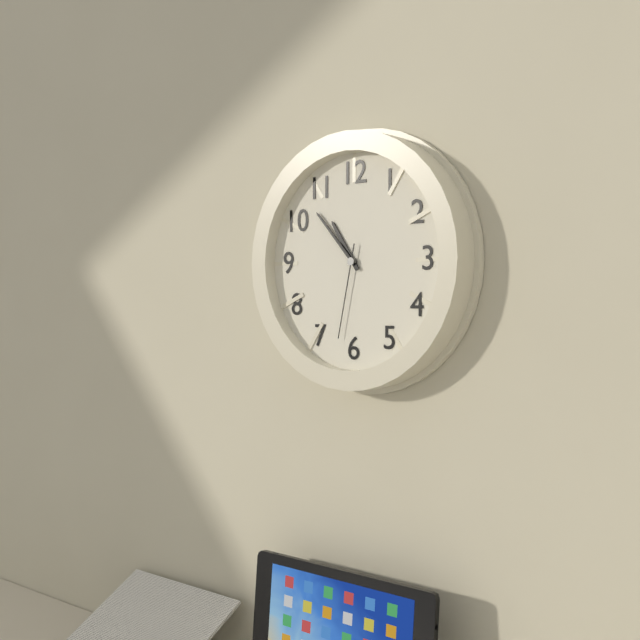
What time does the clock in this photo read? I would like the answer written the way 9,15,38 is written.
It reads 10,53,32
